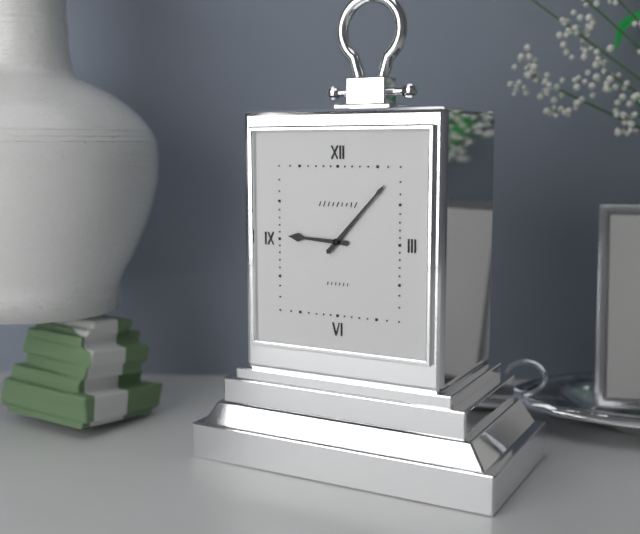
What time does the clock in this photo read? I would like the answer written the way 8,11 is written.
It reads 9,07
